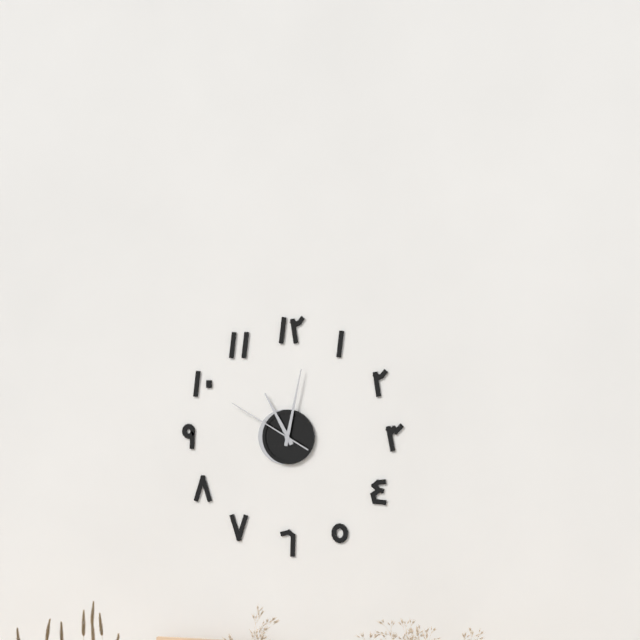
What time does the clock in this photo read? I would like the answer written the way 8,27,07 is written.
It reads 11,02,50
